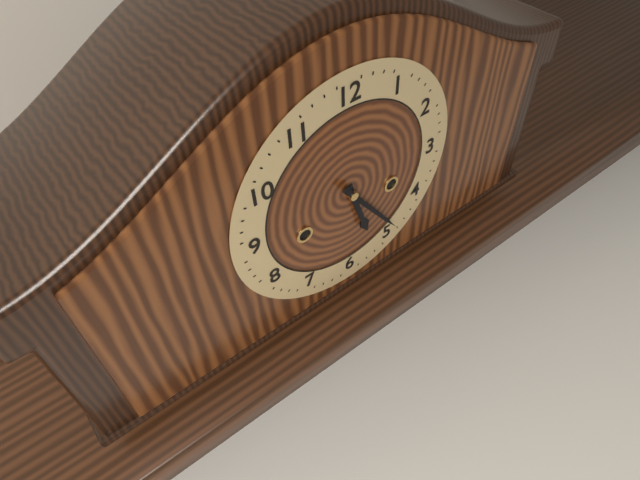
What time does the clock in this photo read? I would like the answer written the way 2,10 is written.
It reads 5,24
